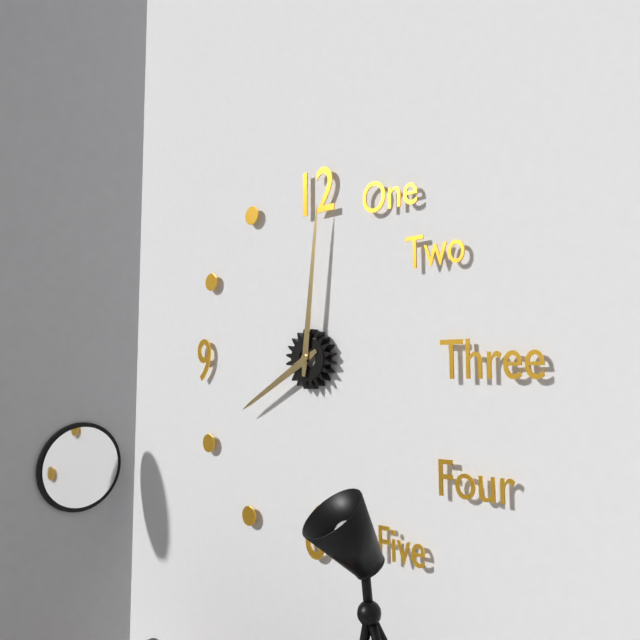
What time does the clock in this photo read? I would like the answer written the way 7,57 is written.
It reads 8,01
